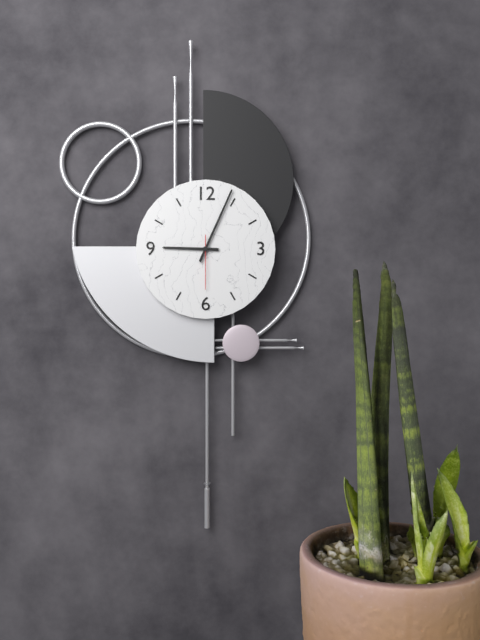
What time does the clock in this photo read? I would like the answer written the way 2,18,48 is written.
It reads 9,04,30
